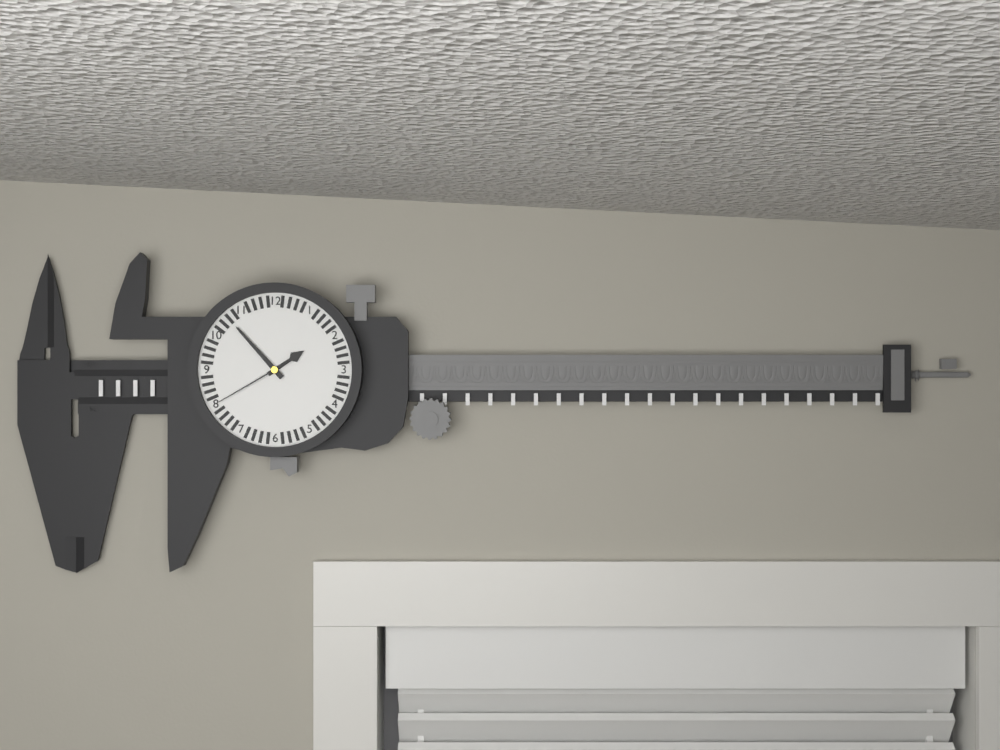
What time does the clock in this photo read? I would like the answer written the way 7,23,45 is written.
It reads 1,53,40
